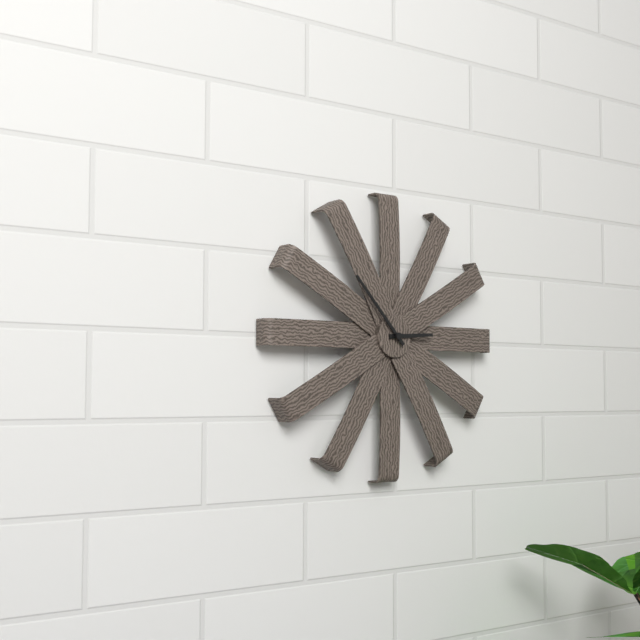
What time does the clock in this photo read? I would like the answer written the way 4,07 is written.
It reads 2,53
